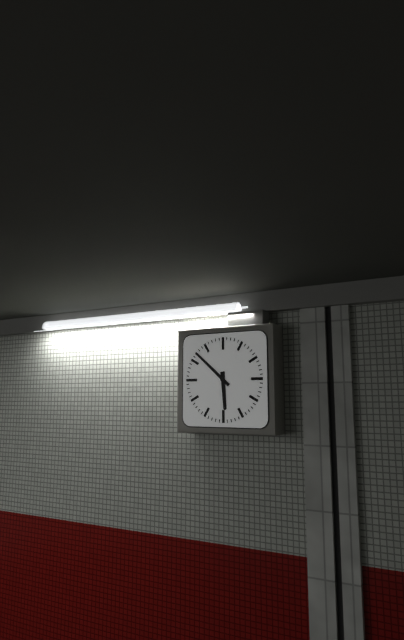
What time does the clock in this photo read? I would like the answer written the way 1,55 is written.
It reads 5,52
